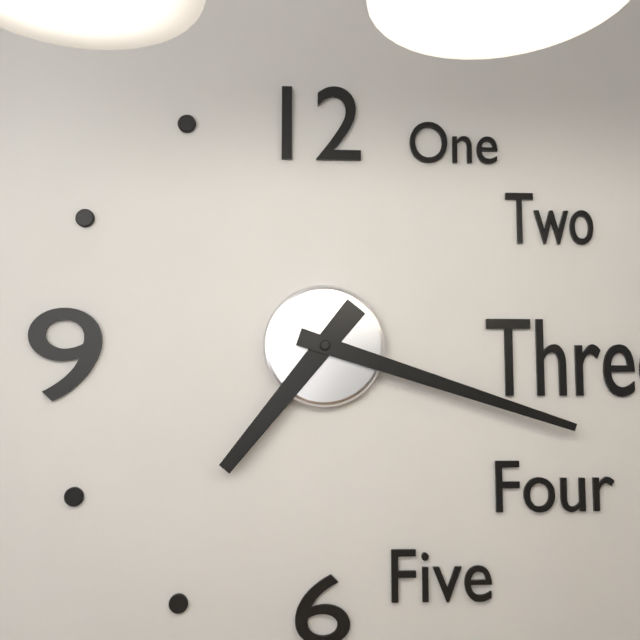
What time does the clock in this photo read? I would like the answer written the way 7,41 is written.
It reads 7,18
